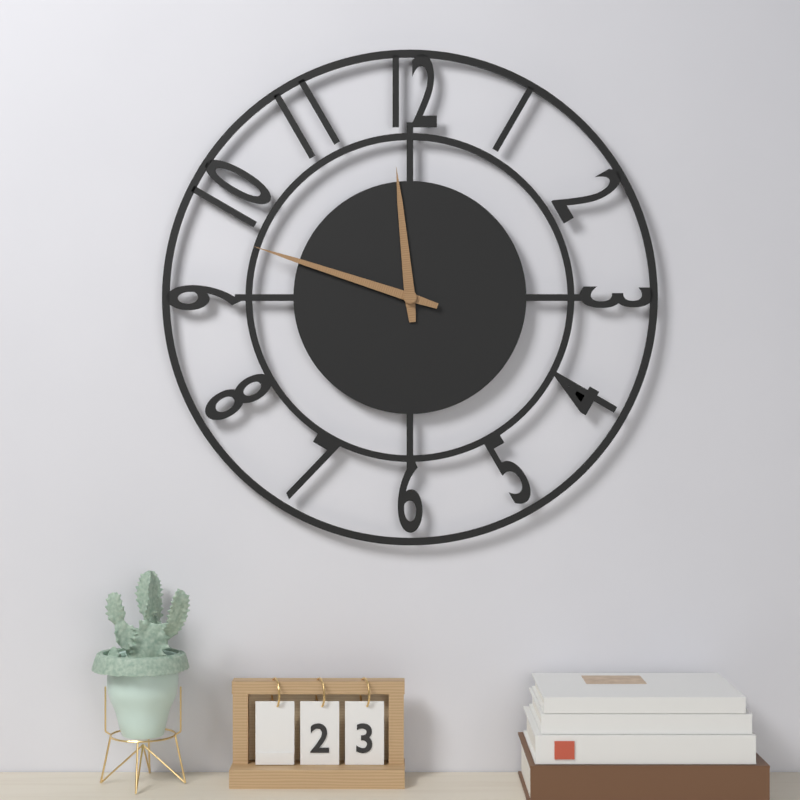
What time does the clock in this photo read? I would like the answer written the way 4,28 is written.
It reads 11,48
